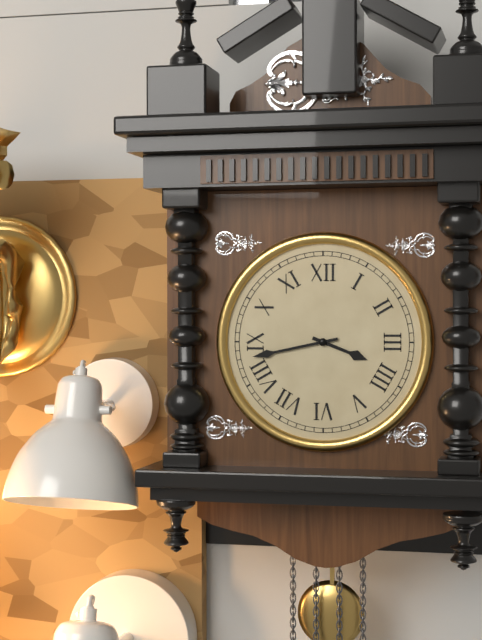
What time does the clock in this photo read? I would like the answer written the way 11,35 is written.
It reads 3,43
